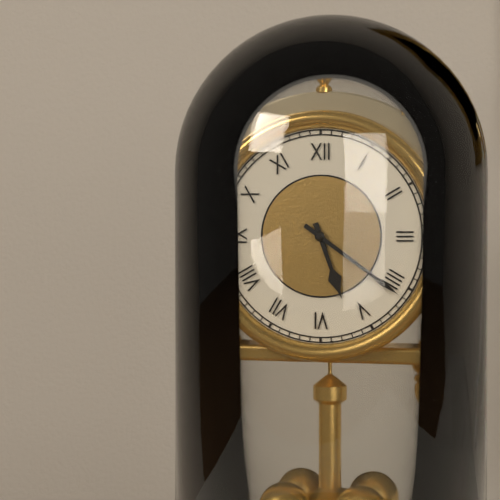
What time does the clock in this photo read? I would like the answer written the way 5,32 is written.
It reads 5,21
